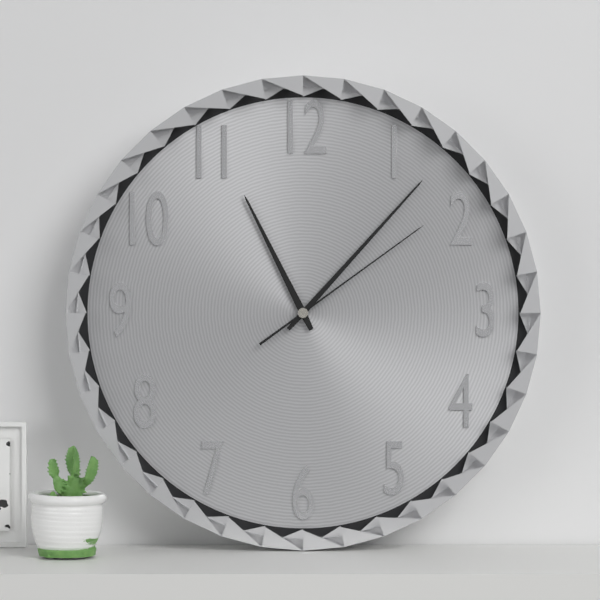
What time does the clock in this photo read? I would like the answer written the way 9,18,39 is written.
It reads 11,07,09
